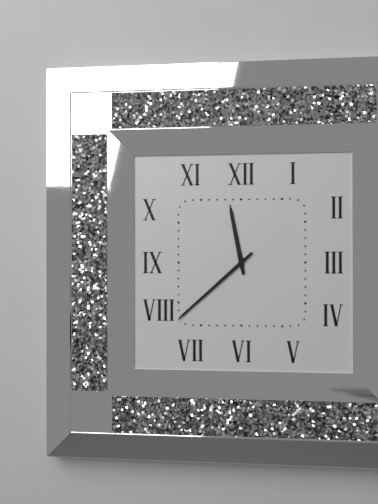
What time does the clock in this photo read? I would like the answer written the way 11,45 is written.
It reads 11,38
